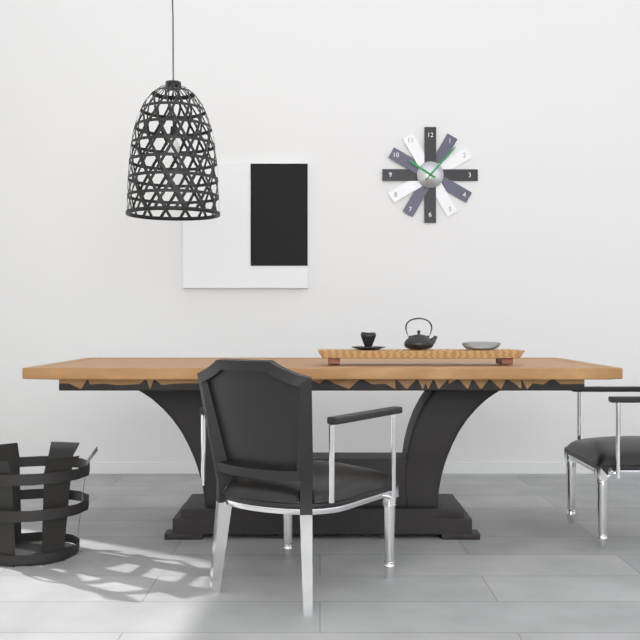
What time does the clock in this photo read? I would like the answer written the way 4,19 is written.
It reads 10,07
